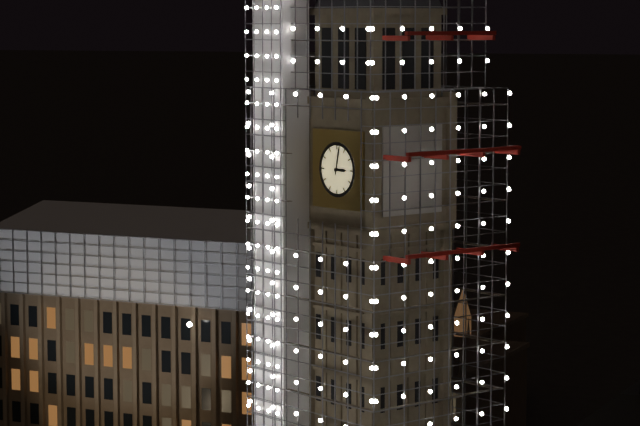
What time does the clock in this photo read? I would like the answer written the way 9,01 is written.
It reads 3,02
